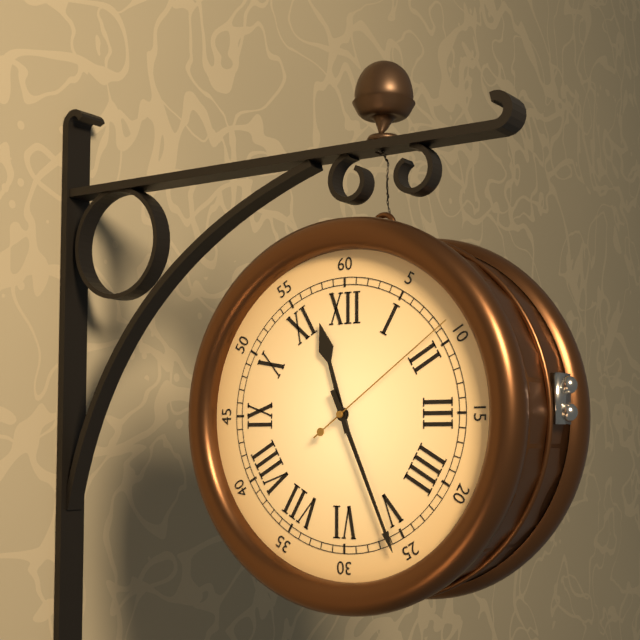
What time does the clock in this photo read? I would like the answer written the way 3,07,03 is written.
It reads 11,26,09
